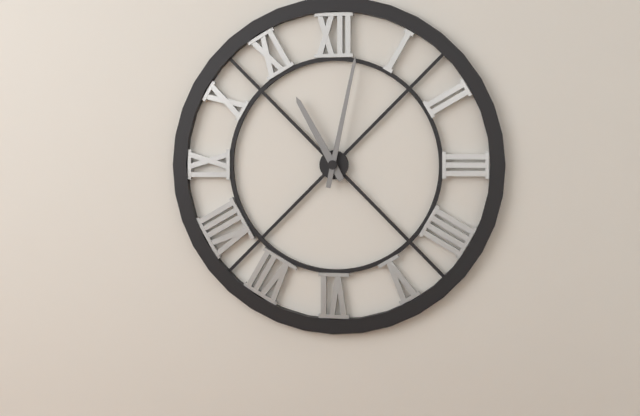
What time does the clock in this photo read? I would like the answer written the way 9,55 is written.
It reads 11,02
